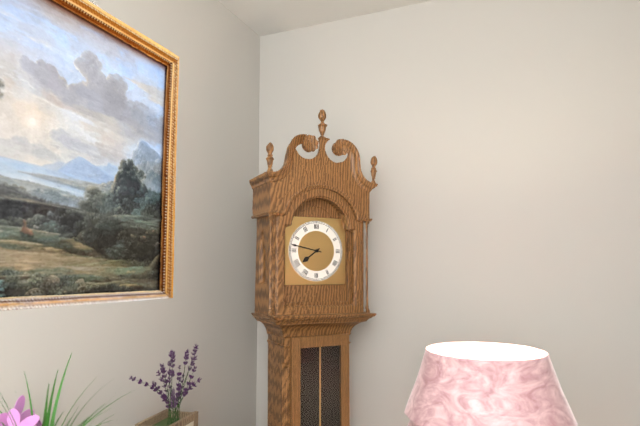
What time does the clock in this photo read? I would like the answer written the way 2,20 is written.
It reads 7,47
